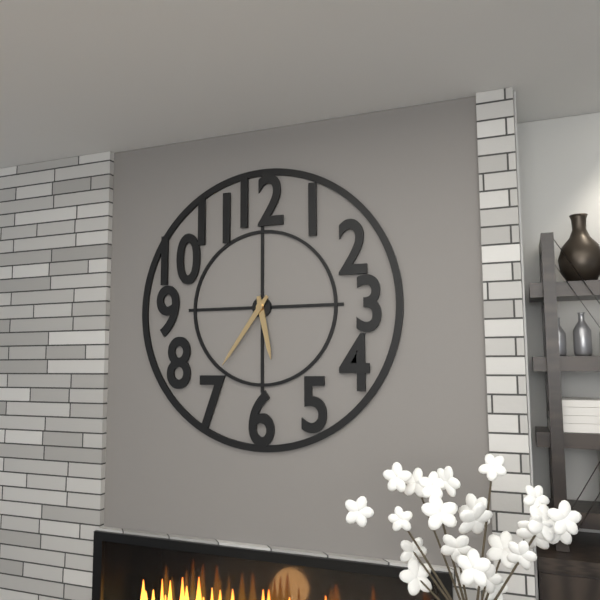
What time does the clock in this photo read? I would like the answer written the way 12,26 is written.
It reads 5,36
